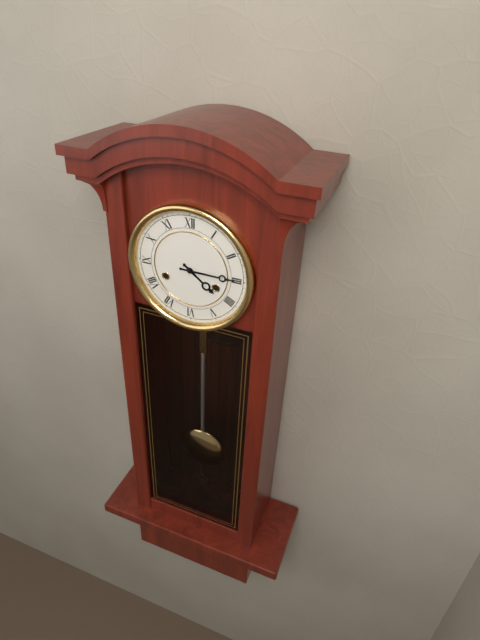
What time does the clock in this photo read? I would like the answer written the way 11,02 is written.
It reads 4,15
